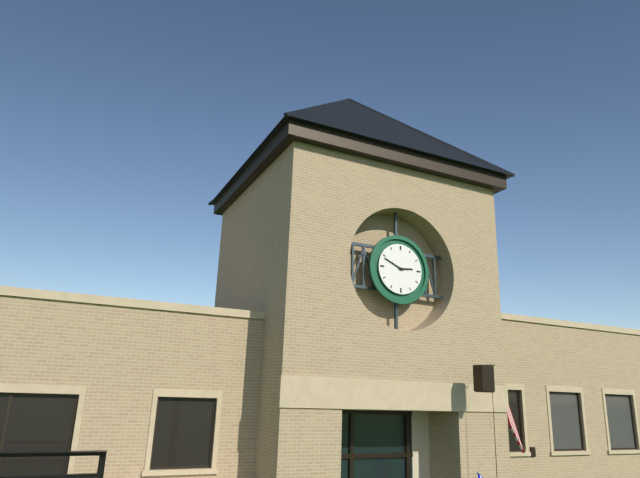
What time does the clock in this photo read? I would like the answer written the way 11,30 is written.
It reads 2,49
